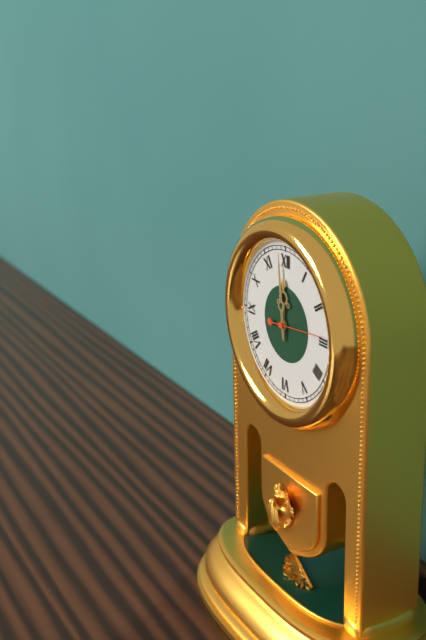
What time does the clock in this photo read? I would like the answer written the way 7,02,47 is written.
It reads 11,59,14
